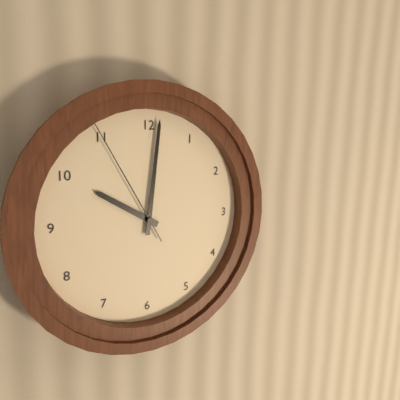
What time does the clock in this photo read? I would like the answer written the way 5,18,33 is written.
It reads 10,01,55
